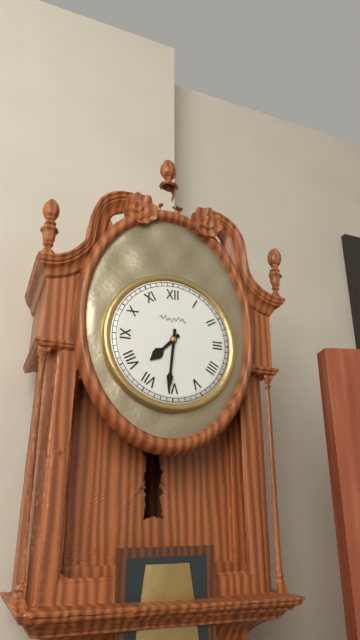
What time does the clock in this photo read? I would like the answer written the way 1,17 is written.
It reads 7,31
